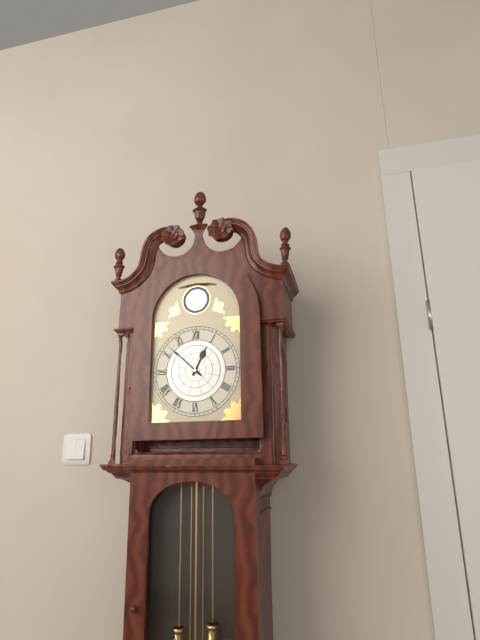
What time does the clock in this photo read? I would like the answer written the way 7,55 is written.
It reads 12,52
